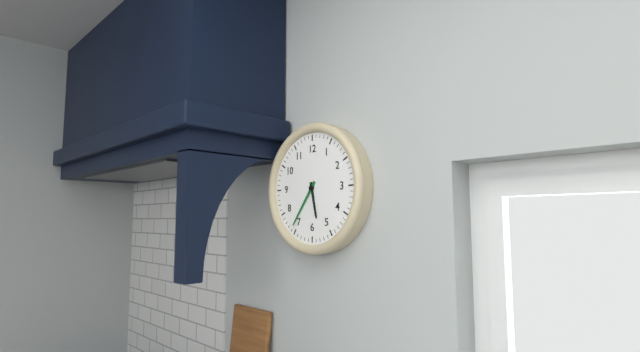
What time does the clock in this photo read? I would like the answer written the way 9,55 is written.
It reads 5,36
